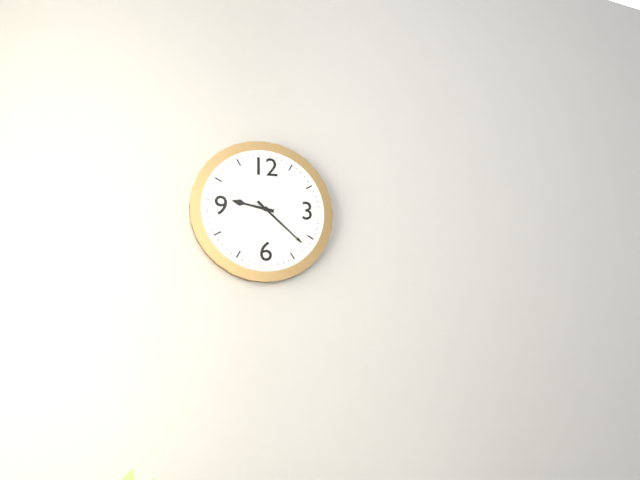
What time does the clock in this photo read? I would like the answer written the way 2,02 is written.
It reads 9,22
